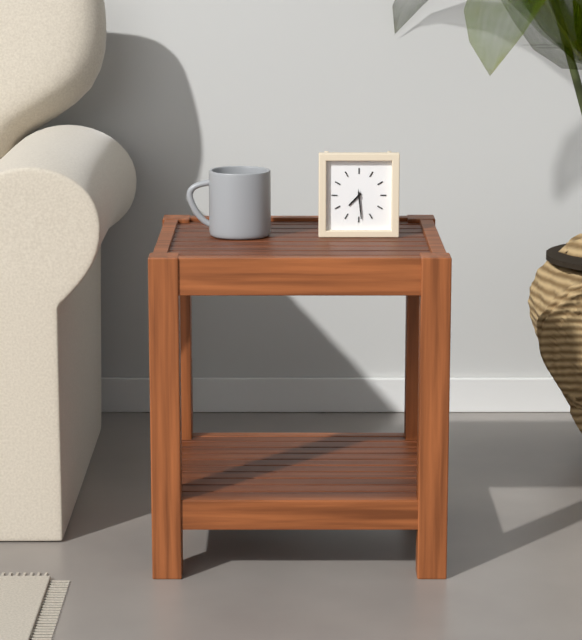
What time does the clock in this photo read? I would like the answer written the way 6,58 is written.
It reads 7,29
